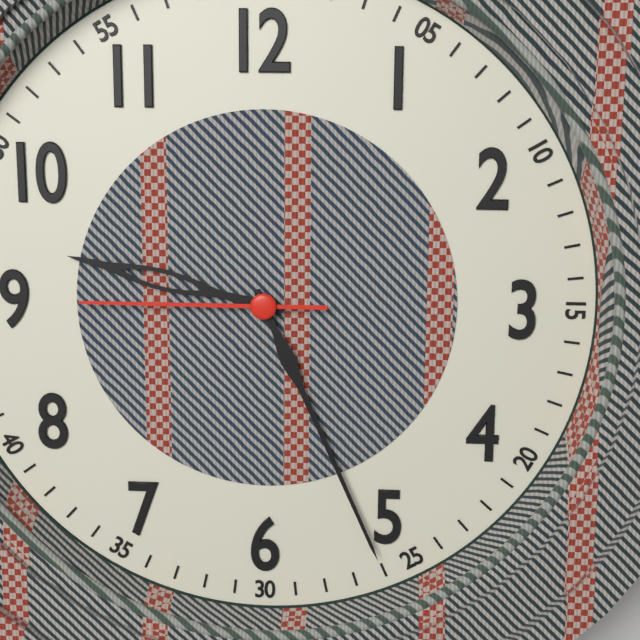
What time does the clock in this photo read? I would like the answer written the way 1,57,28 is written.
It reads 9,26,45
